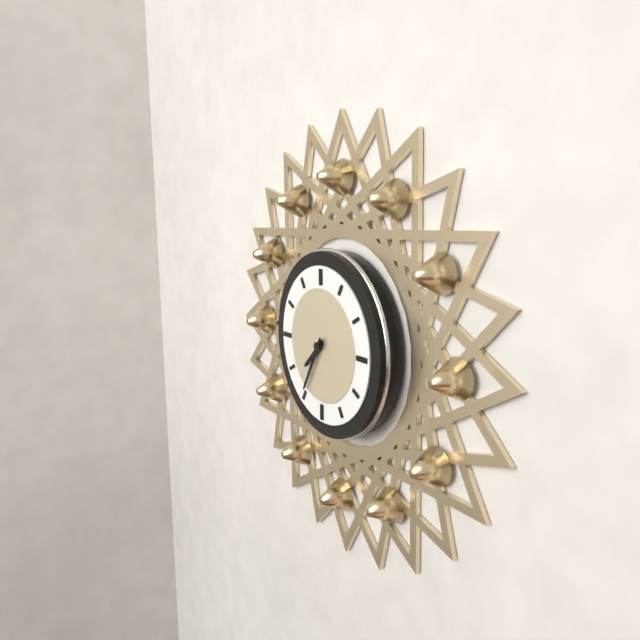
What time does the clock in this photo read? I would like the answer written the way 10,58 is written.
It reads 7,35
